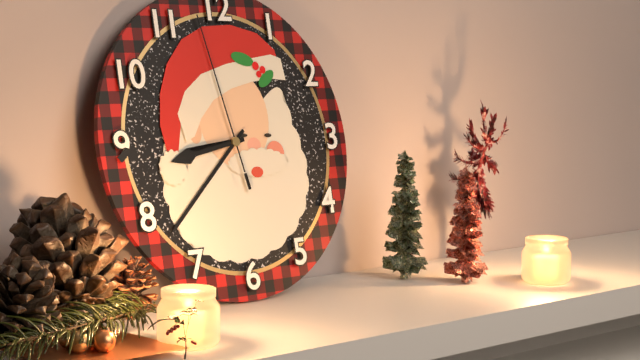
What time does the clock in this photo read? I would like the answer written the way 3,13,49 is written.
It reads 8,38,58
